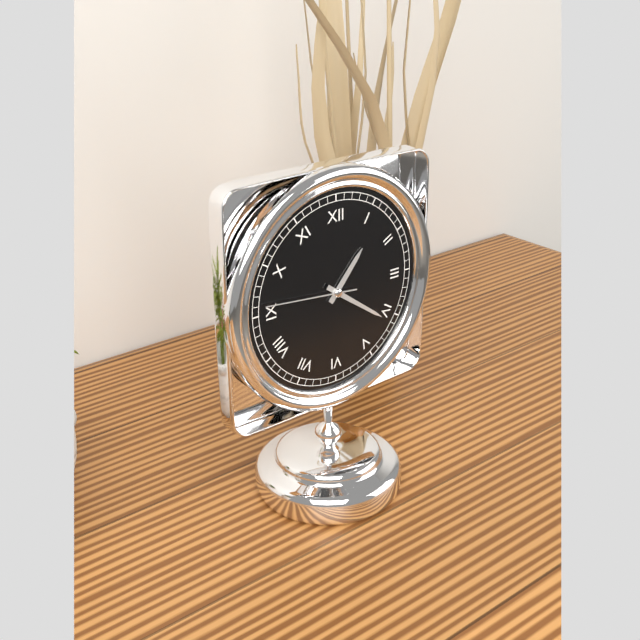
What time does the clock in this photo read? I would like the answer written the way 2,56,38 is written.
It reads 1,21,46
